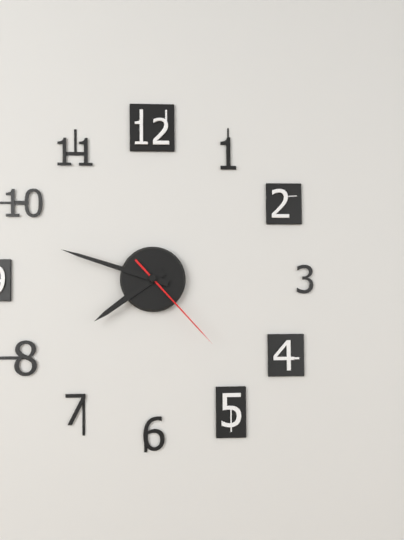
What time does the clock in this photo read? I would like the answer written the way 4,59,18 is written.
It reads 7,48,23
